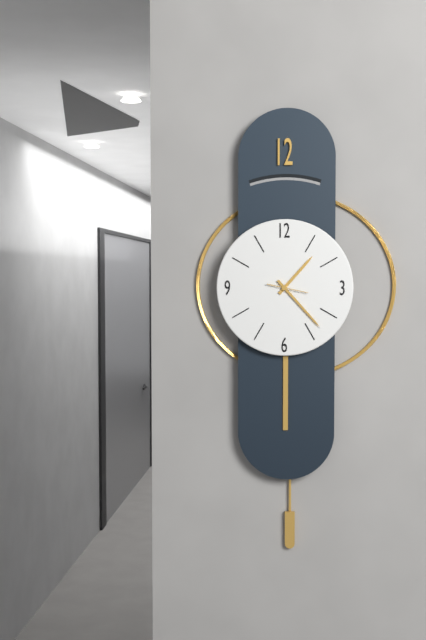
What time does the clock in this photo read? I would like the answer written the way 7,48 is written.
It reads 1,23
